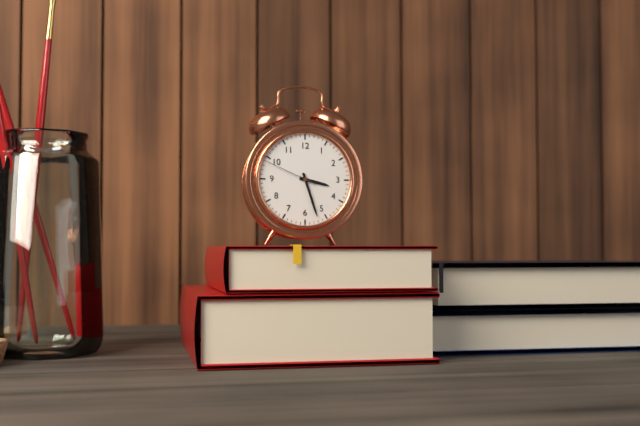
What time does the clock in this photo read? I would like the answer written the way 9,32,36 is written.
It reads 3,27,49
